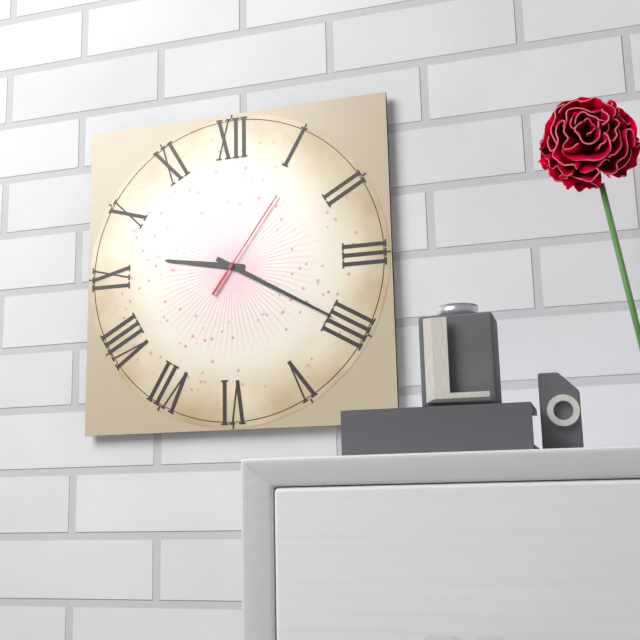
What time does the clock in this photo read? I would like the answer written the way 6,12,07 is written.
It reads 9,20,06
